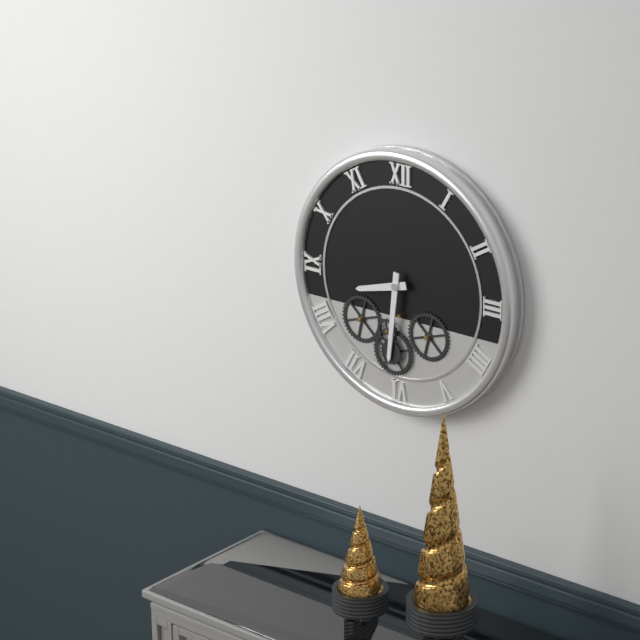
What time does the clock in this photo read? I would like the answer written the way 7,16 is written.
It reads 8,31
